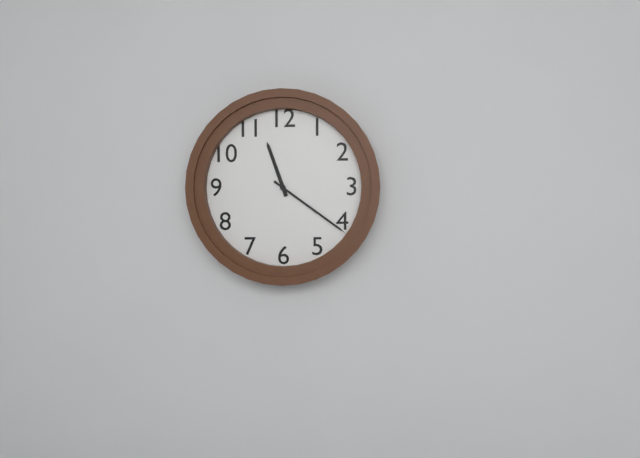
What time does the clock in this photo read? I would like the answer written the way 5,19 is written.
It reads 11,21
